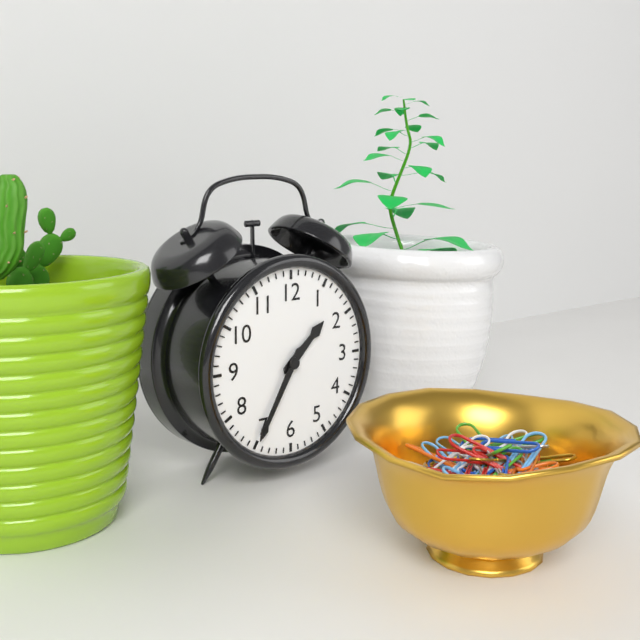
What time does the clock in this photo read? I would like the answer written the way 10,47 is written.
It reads 1,35
